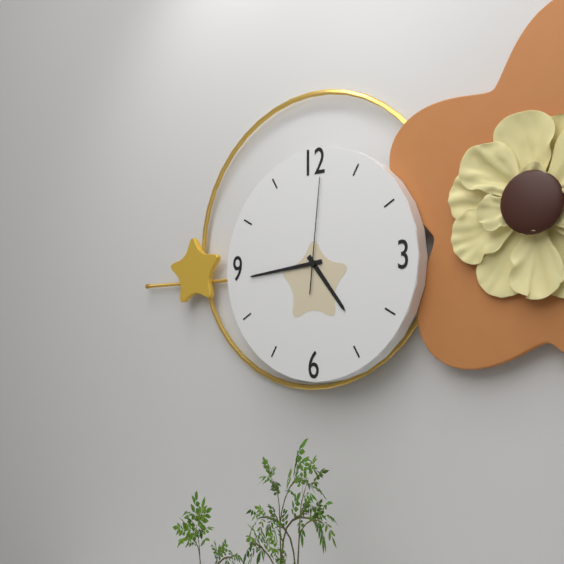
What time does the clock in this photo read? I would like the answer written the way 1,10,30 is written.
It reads 4,44,01
